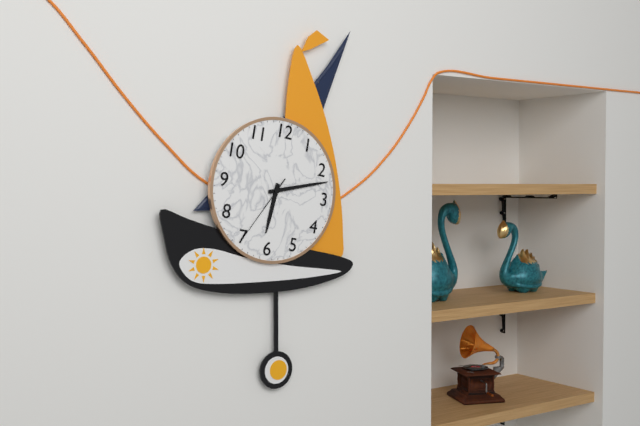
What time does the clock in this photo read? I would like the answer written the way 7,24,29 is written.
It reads 6,12,35
